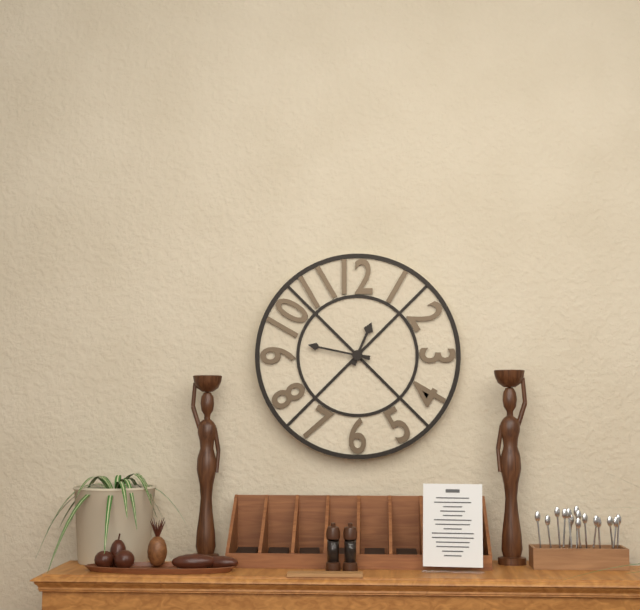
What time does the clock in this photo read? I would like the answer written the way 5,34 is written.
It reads 12,47
